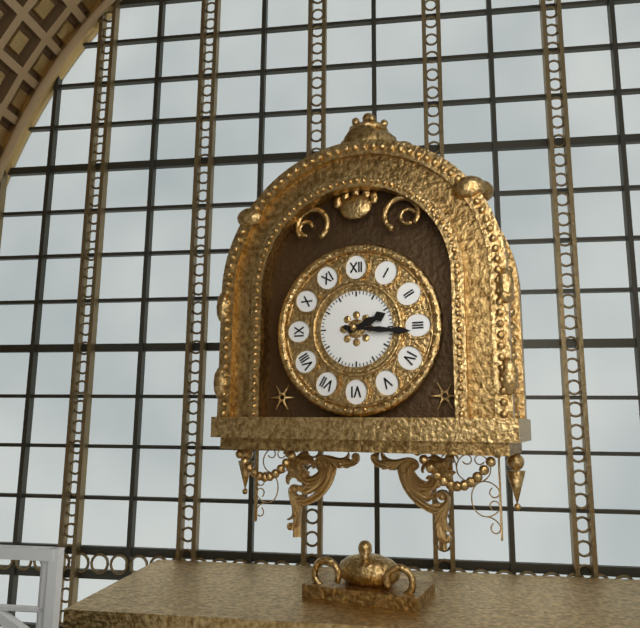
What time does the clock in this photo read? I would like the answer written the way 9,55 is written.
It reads 2,16
